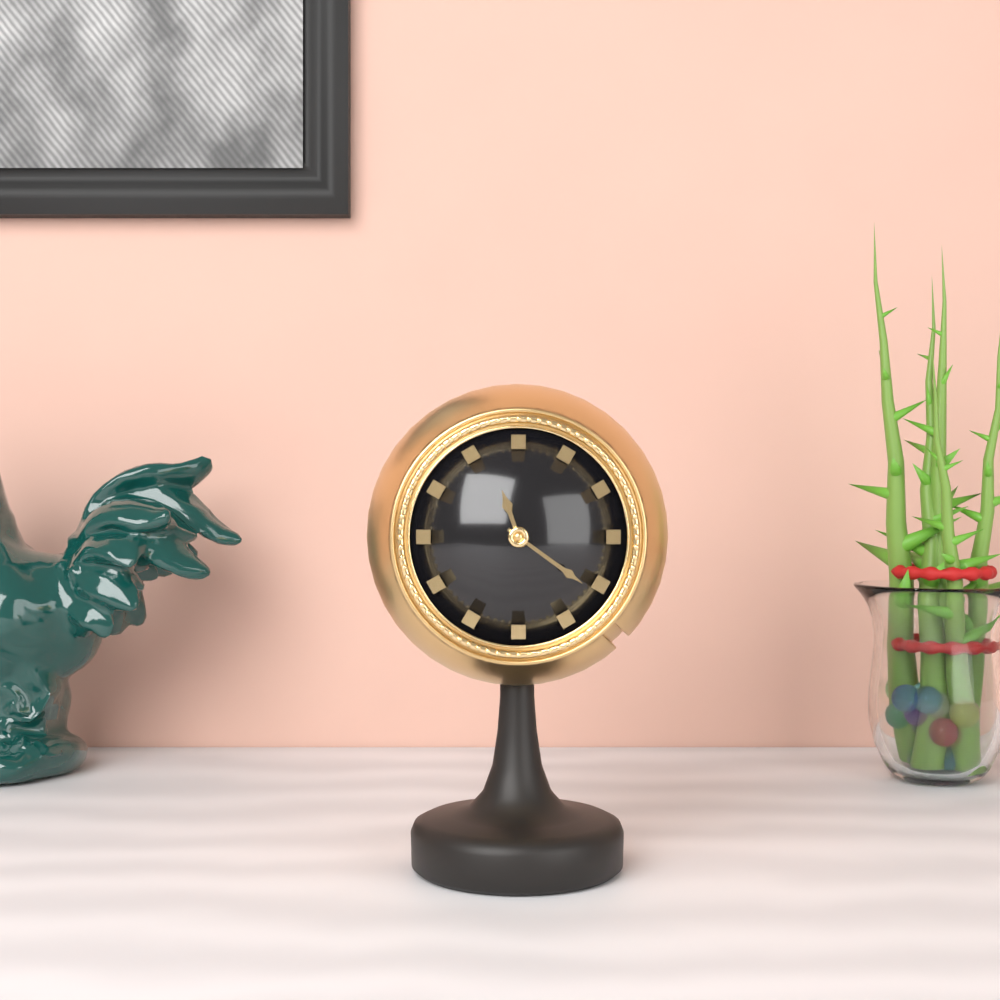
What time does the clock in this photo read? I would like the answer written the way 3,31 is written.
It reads 11,21
